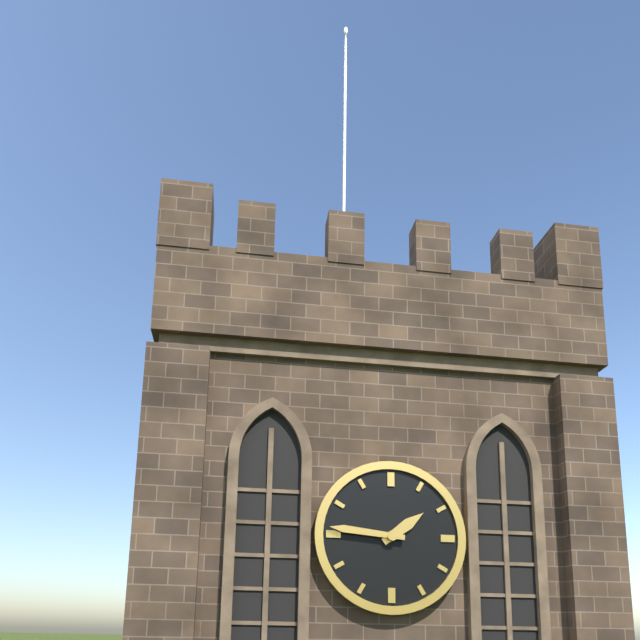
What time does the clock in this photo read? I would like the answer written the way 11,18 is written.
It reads 1,46
